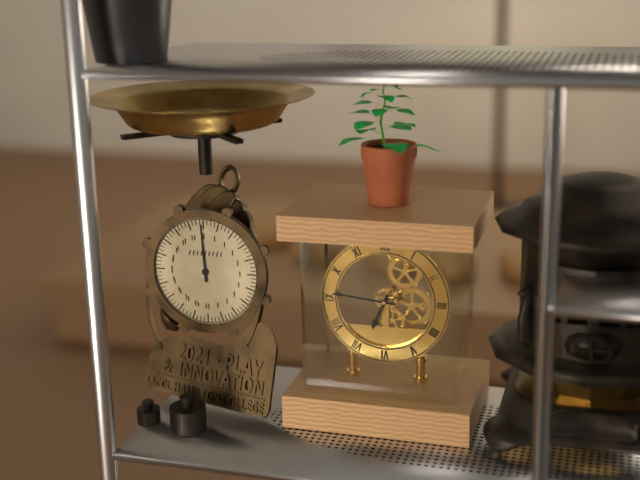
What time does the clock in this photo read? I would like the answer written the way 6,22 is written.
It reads 6,46
